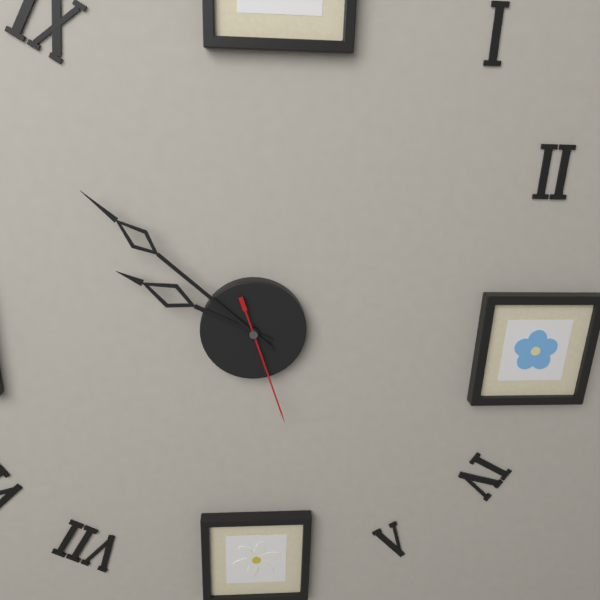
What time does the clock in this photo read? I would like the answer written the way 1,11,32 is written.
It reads 9,52,27
